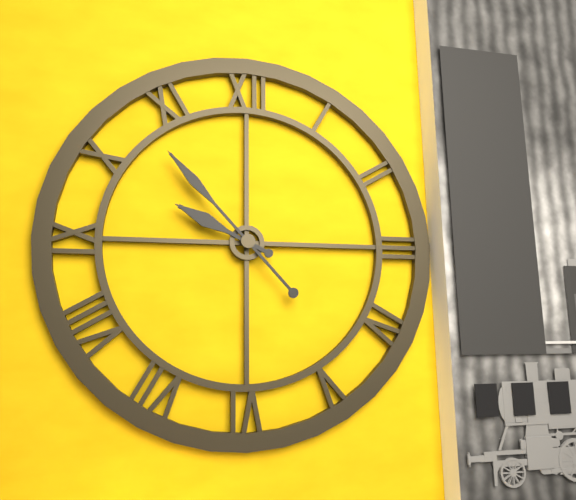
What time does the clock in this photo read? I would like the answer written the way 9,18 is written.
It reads 9,53
